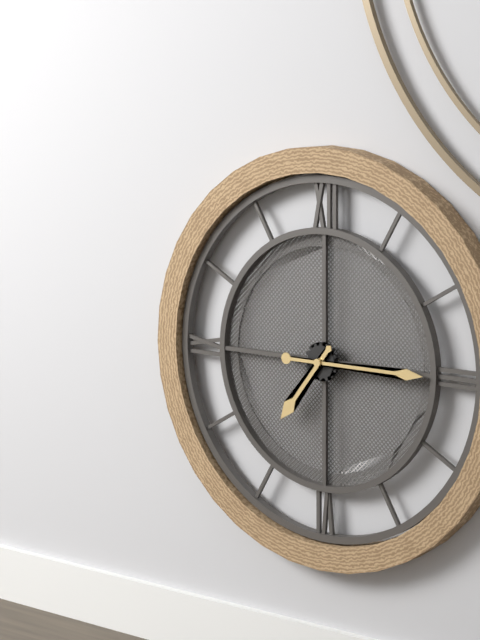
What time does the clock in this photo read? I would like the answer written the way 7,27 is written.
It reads 7,15
